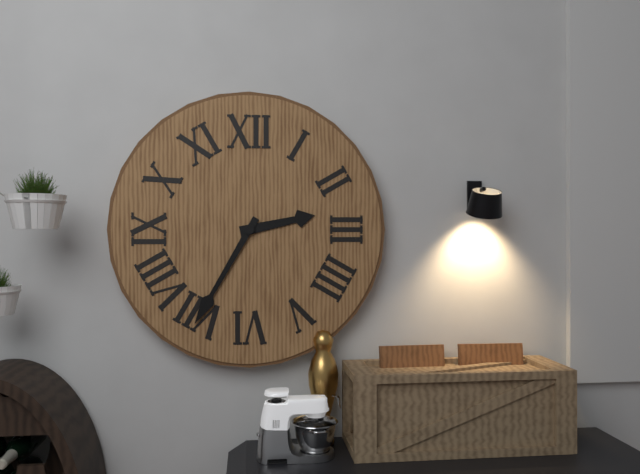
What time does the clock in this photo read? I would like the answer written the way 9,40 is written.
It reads 2,35
